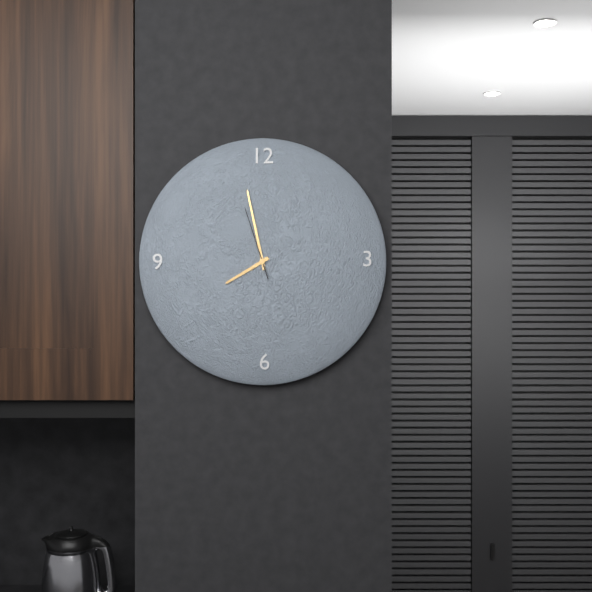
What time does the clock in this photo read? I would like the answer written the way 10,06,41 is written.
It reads 7,58,57
